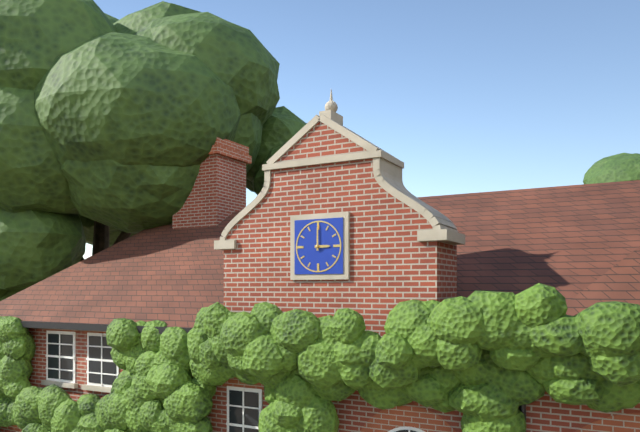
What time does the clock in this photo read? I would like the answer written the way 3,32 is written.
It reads 3,00
